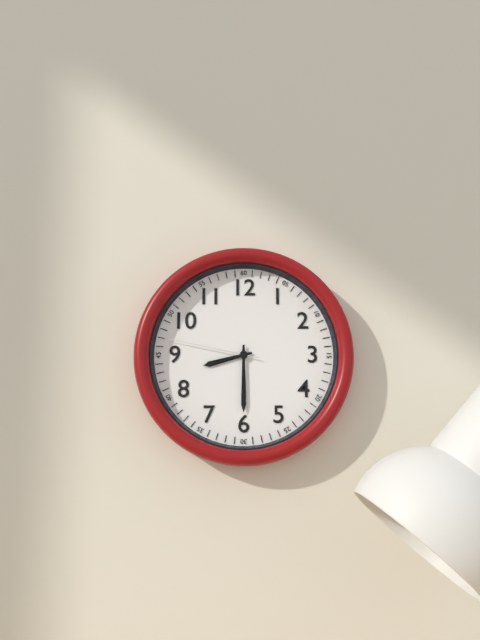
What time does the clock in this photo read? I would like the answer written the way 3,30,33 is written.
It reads 8,30,47
